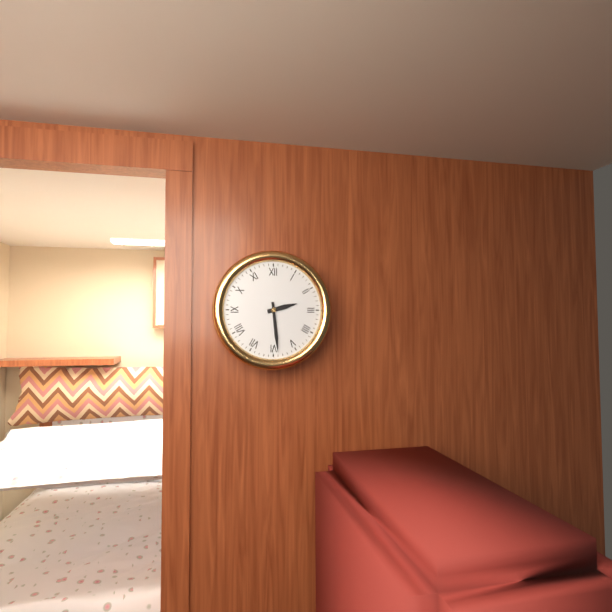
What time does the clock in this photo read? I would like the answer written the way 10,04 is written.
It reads 2,29
